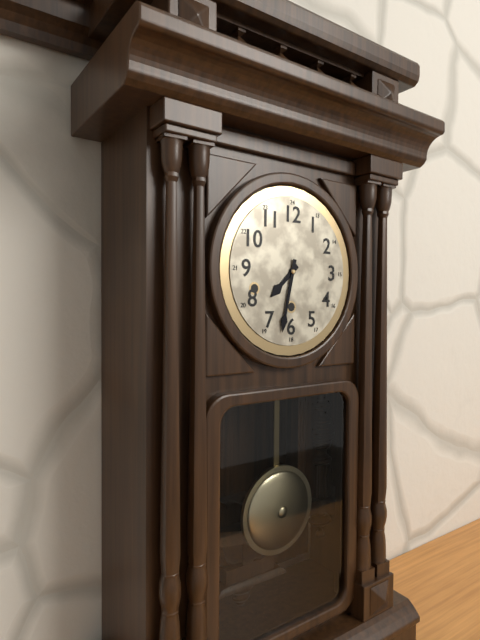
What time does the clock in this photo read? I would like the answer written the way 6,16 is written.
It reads 7,32
